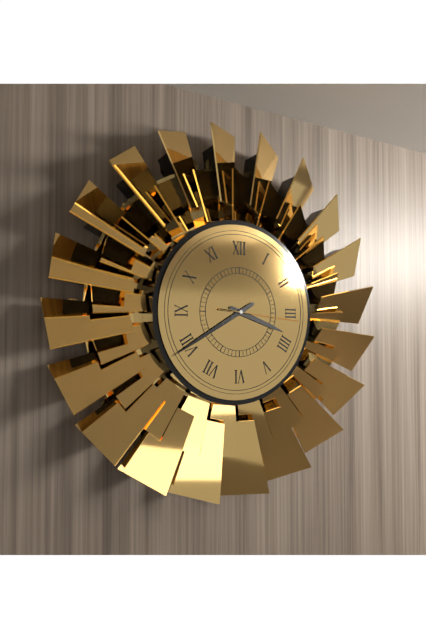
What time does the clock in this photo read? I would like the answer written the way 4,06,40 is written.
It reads 3,40,16
